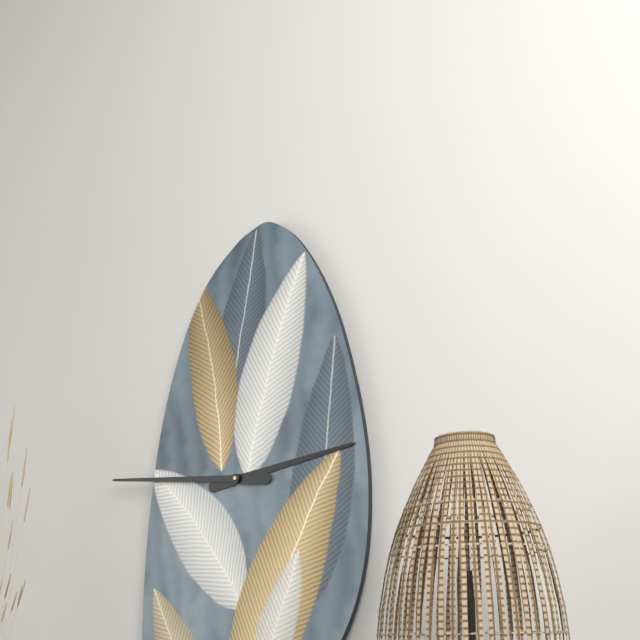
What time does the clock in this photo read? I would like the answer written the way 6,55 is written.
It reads 2,46
